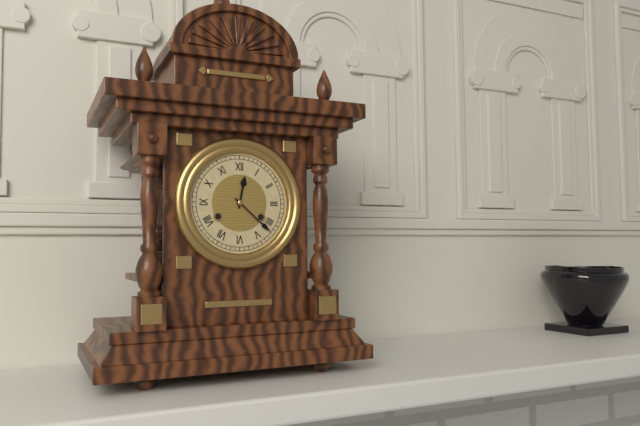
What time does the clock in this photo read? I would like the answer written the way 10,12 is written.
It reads 12,22
